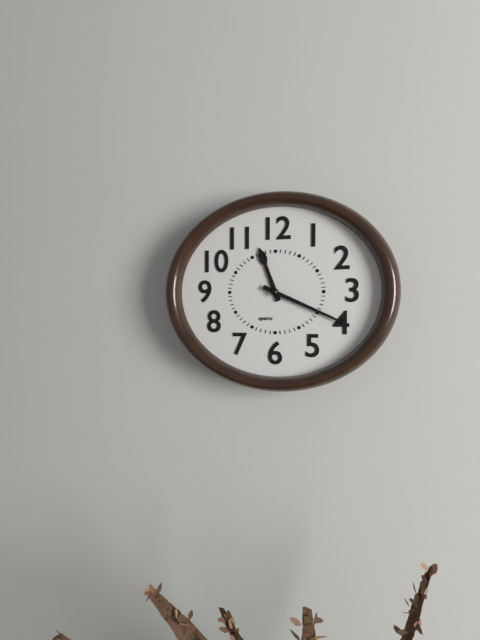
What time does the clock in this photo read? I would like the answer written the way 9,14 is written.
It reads 11,19
